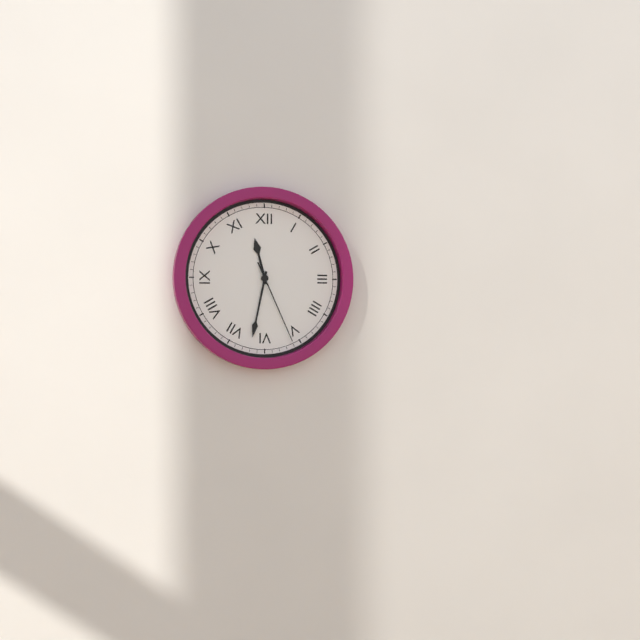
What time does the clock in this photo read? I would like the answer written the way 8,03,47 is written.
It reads 11,32,26
